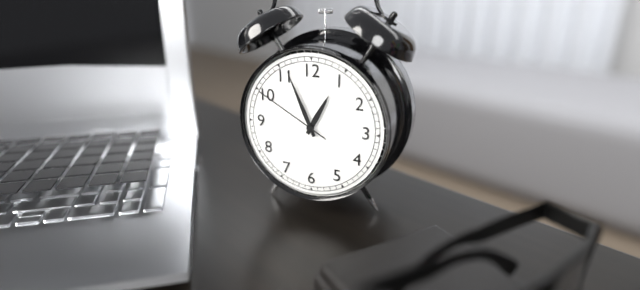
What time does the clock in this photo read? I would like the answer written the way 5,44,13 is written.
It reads 12,56,50
